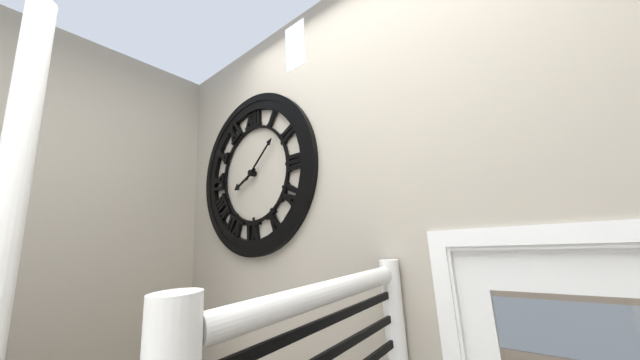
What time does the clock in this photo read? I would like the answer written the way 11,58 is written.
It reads 8,08
